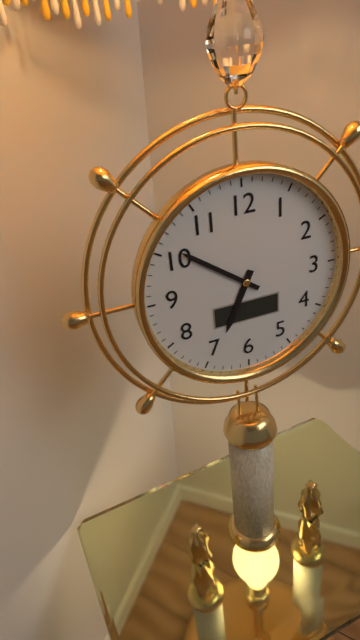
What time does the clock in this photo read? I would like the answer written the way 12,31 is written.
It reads 6,51
